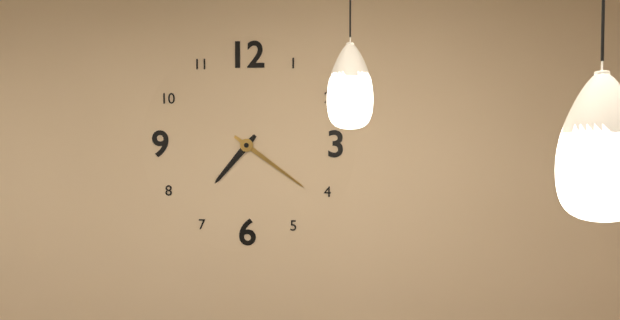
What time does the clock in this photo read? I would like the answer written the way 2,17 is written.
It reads 7,21
